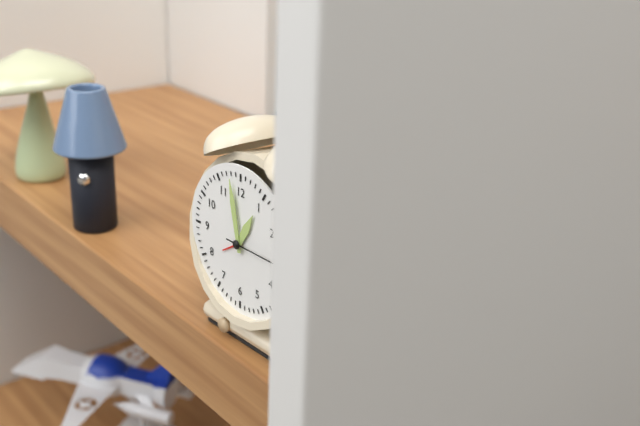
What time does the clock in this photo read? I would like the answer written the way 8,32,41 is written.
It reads 12,58,15
